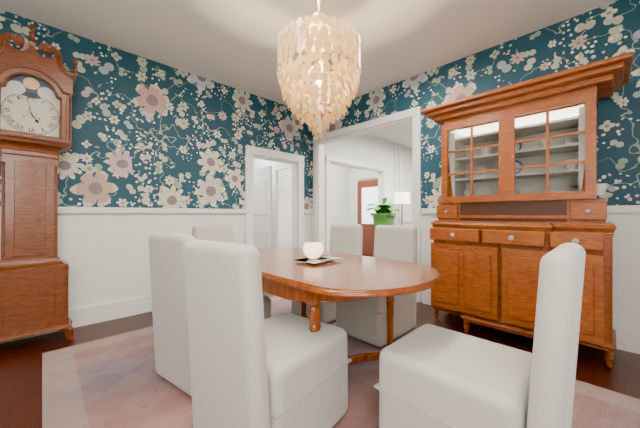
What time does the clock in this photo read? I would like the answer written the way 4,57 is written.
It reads 4,58
